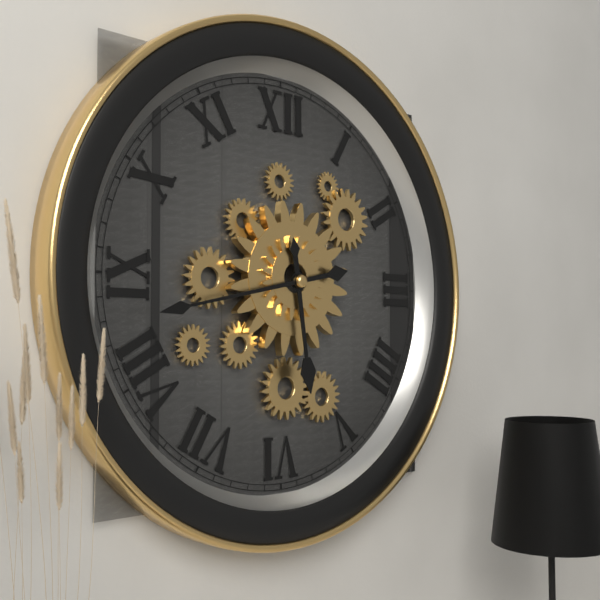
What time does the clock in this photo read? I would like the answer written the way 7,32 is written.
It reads 5,43
